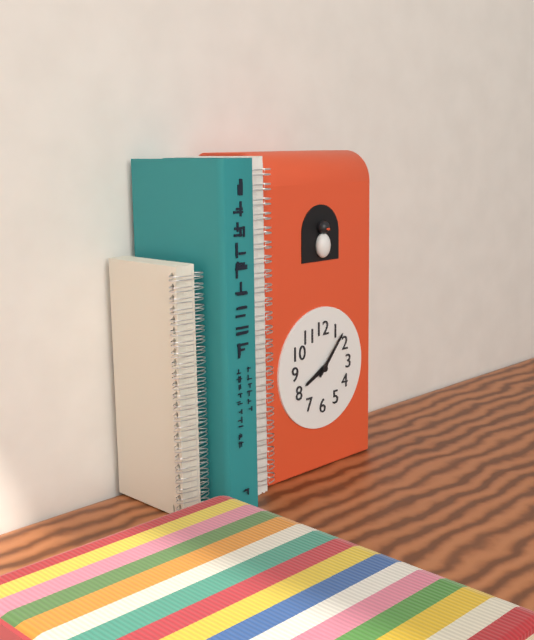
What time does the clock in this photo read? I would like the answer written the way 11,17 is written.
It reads 8,07
